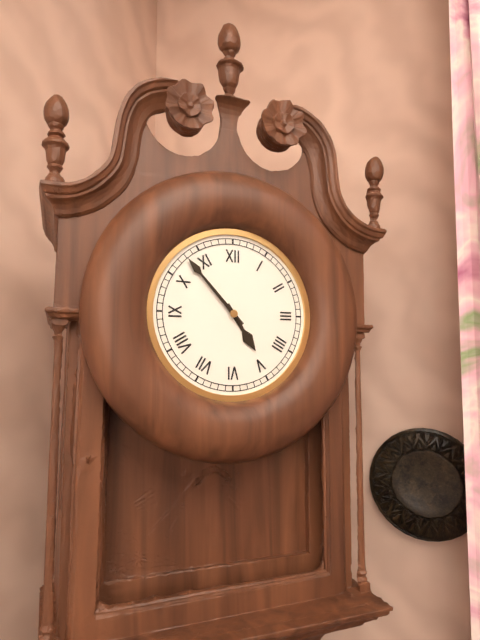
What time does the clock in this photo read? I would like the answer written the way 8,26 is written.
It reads 4,53
